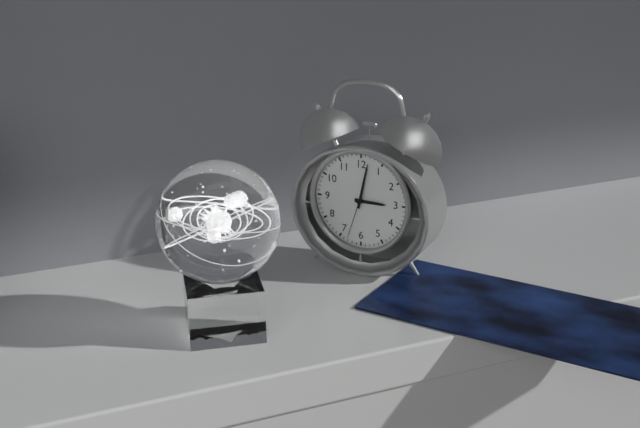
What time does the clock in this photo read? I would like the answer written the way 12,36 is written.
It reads 3,02
